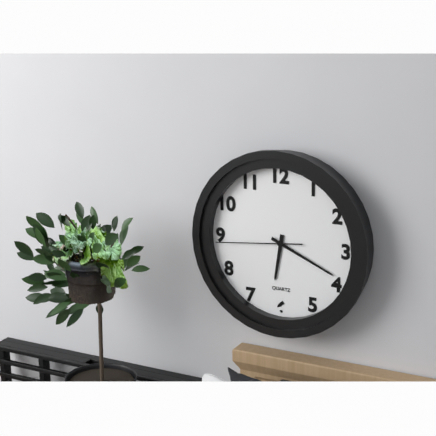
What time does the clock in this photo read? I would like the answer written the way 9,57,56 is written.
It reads 6,19,44
